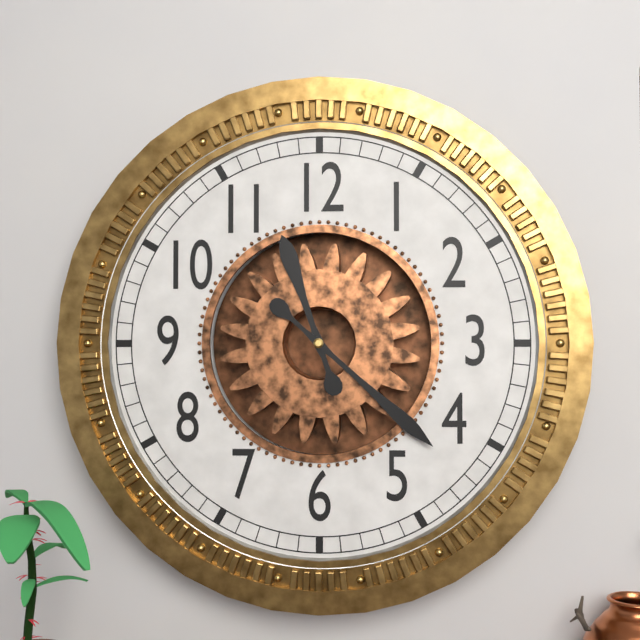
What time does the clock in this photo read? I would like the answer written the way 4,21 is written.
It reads 11,22
